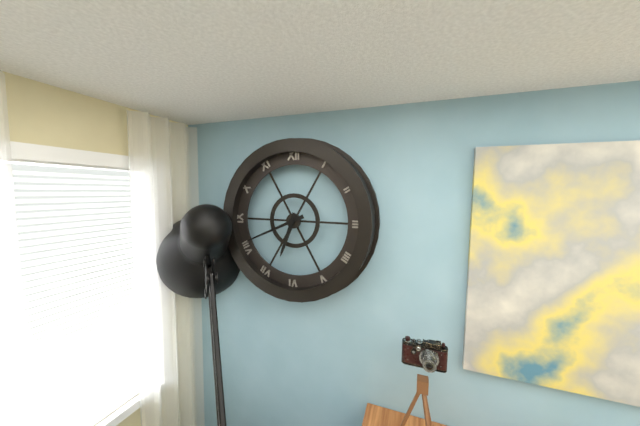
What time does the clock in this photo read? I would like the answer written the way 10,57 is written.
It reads 6,41
